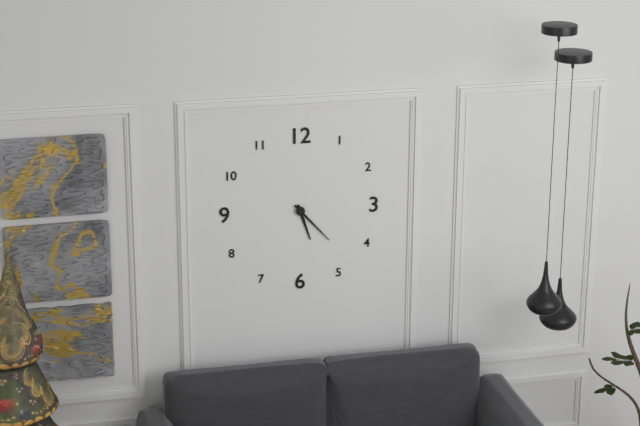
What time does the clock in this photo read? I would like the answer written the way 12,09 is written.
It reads 5,23
